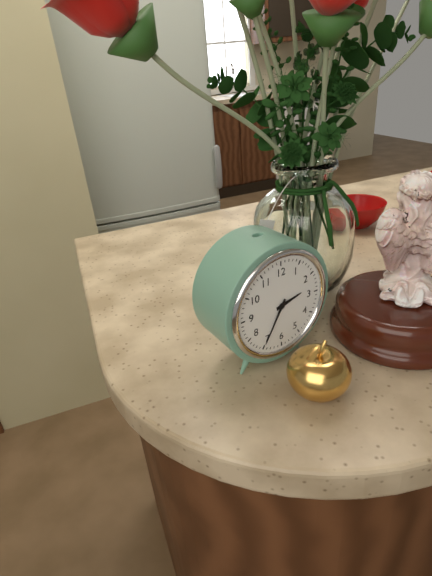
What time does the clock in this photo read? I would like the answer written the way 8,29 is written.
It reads 2,35
